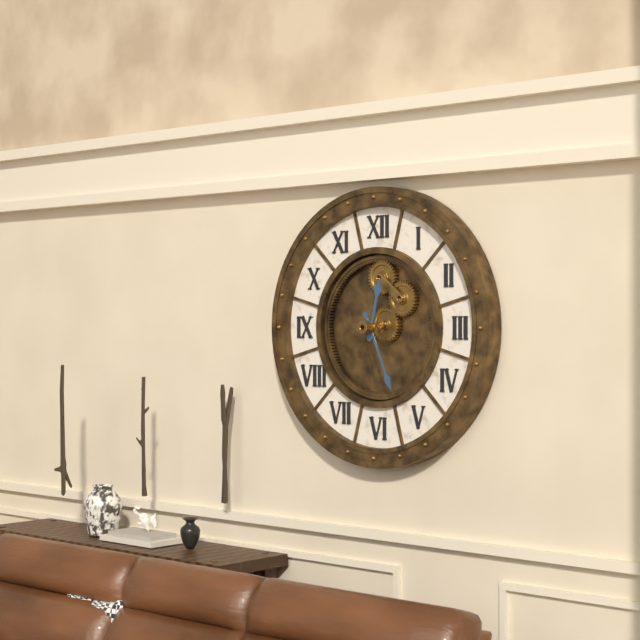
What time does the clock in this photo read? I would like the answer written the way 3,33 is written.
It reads 12,26
